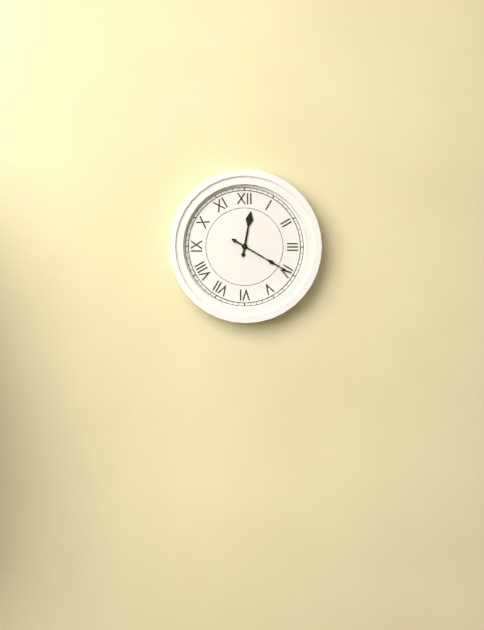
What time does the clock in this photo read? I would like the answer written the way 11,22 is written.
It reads 12,20
